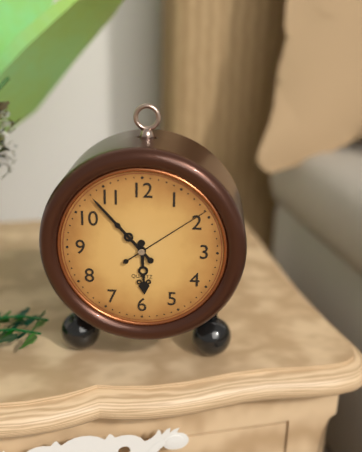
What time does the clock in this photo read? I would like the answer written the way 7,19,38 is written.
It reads 5,53,09
